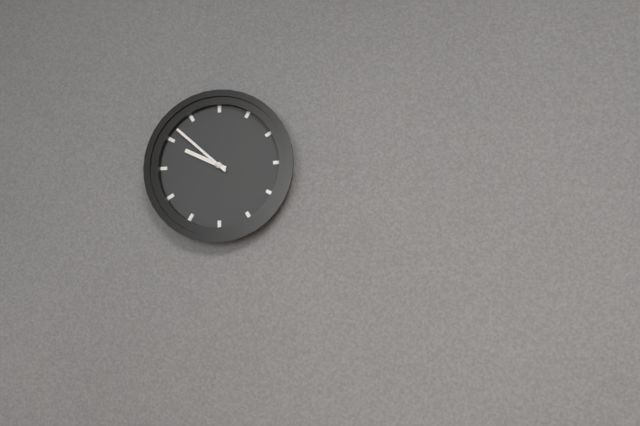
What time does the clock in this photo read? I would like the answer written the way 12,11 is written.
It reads 9,52
